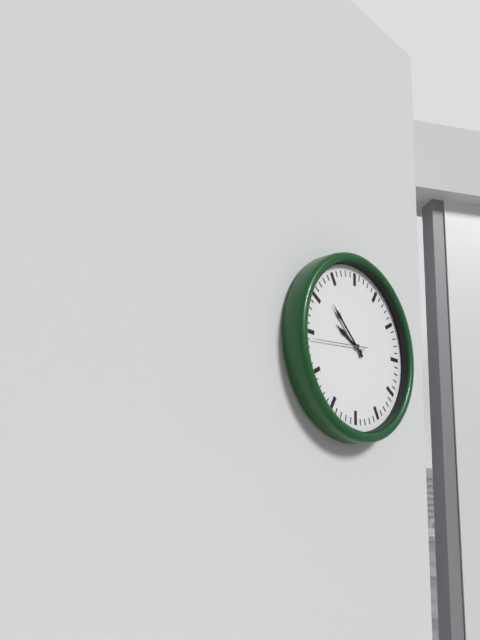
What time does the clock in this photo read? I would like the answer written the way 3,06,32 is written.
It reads 9,52,44
